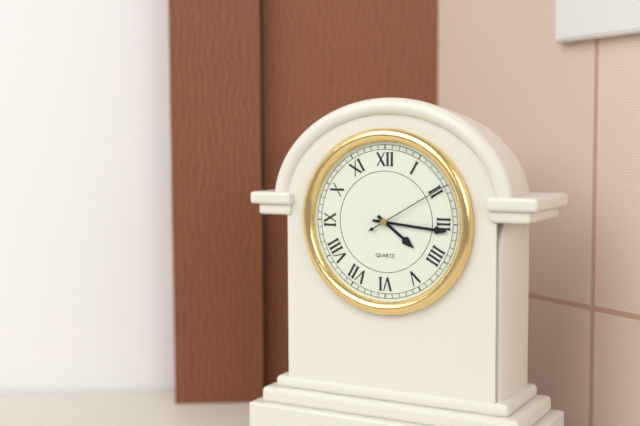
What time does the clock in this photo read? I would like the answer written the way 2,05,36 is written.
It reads 4,16,10
